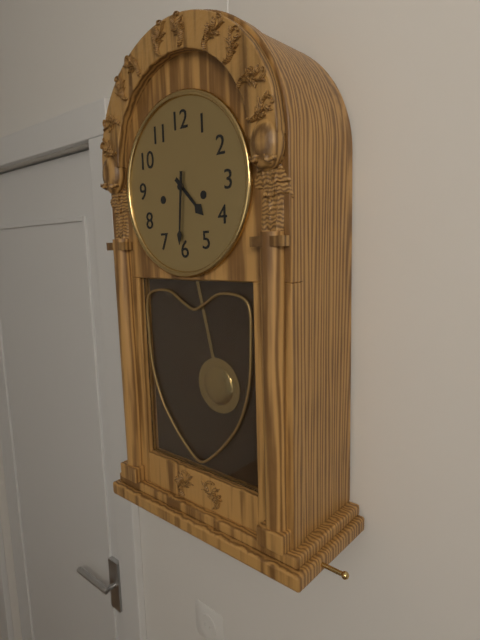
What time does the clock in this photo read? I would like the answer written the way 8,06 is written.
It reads 4,31
